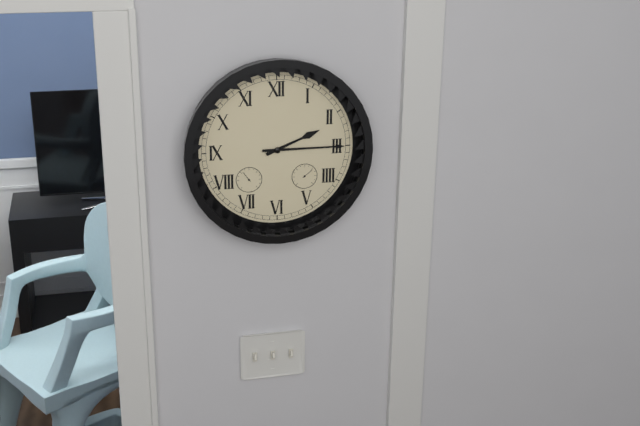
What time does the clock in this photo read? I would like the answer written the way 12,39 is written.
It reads 2,15
